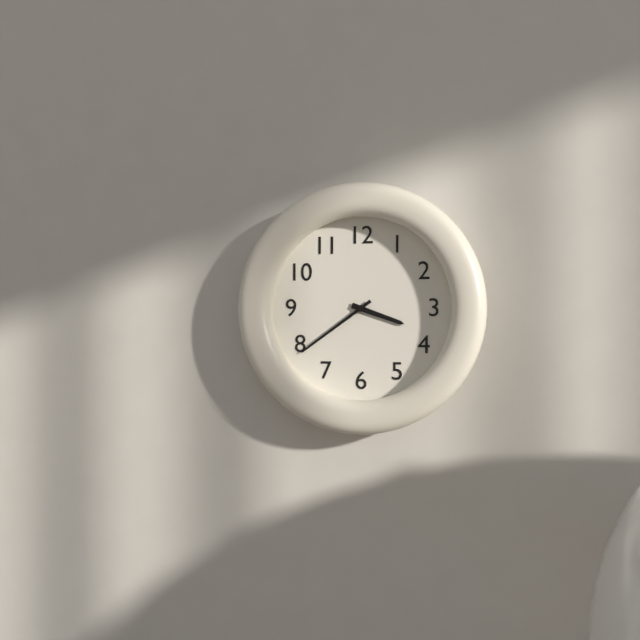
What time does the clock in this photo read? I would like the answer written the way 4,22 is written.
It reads 3,39
